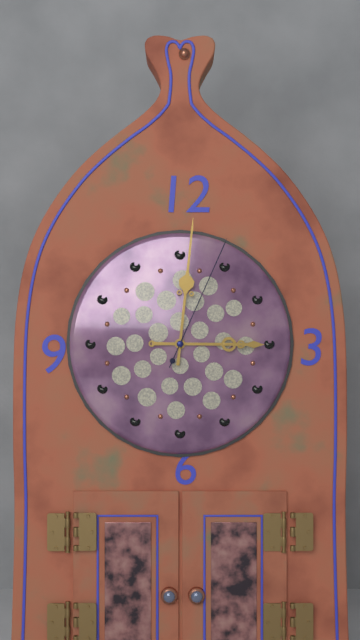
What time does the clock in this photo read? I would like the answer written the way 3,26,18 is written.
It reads 3,01,04
